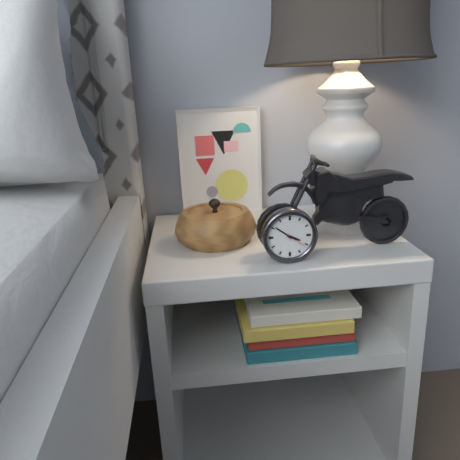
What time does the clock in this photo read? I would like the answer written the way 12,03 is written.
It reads 3,51
